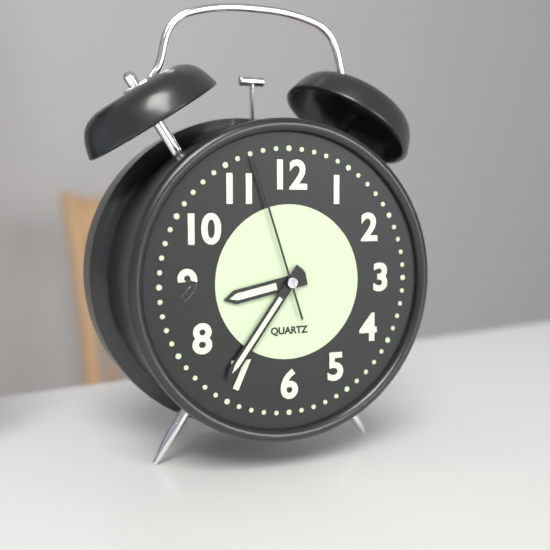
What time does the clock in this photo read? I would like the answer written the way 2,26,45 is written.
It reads 8,36,57
